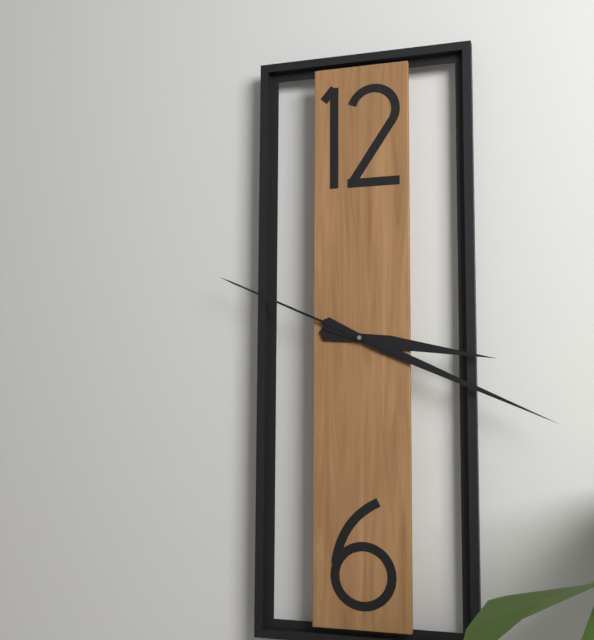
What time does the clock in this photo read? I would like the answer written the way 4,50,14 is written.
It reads 3,19,49
